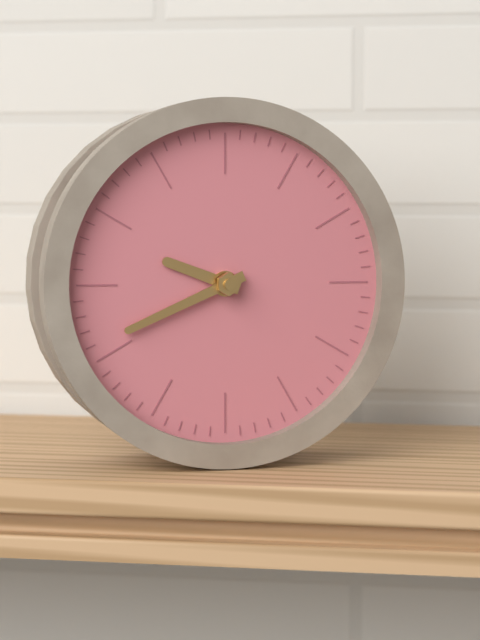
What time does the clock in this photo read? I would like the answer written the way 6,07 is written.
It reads 9,41
